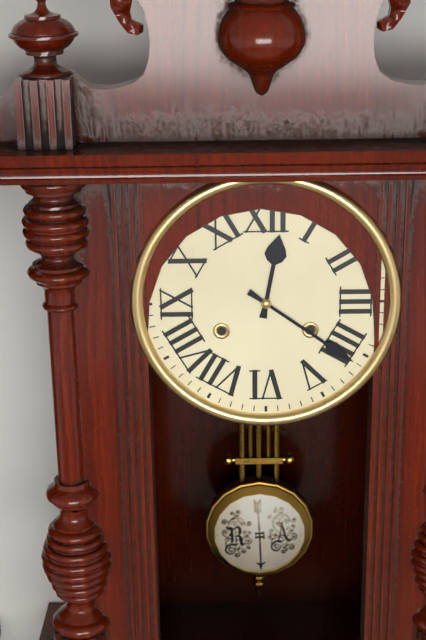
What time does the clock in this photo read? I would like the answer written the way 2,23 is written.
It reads 12,21
